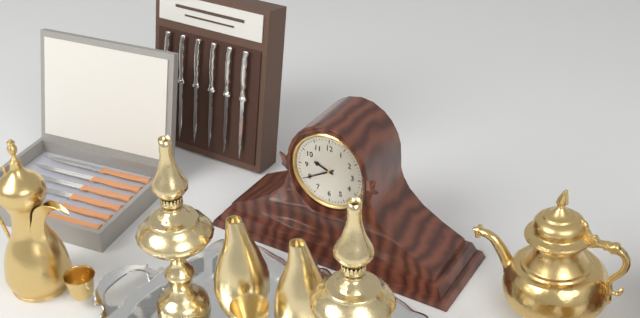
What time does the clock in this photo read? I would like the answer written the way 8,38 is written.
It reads 9,40
